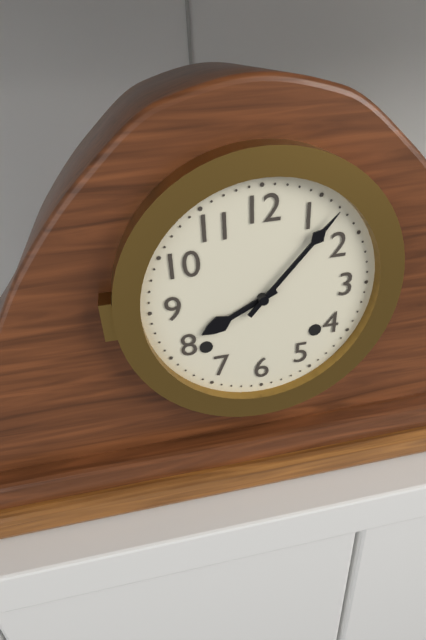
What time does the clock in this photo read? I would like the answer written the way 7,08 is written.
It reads 8,07
